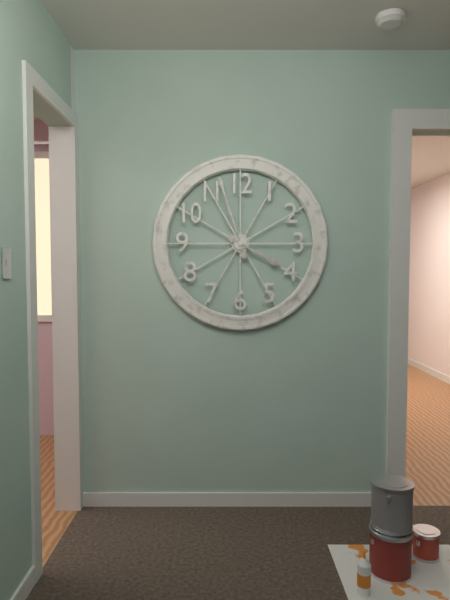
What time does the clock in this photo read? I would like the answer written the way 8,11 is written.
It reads 3,57
